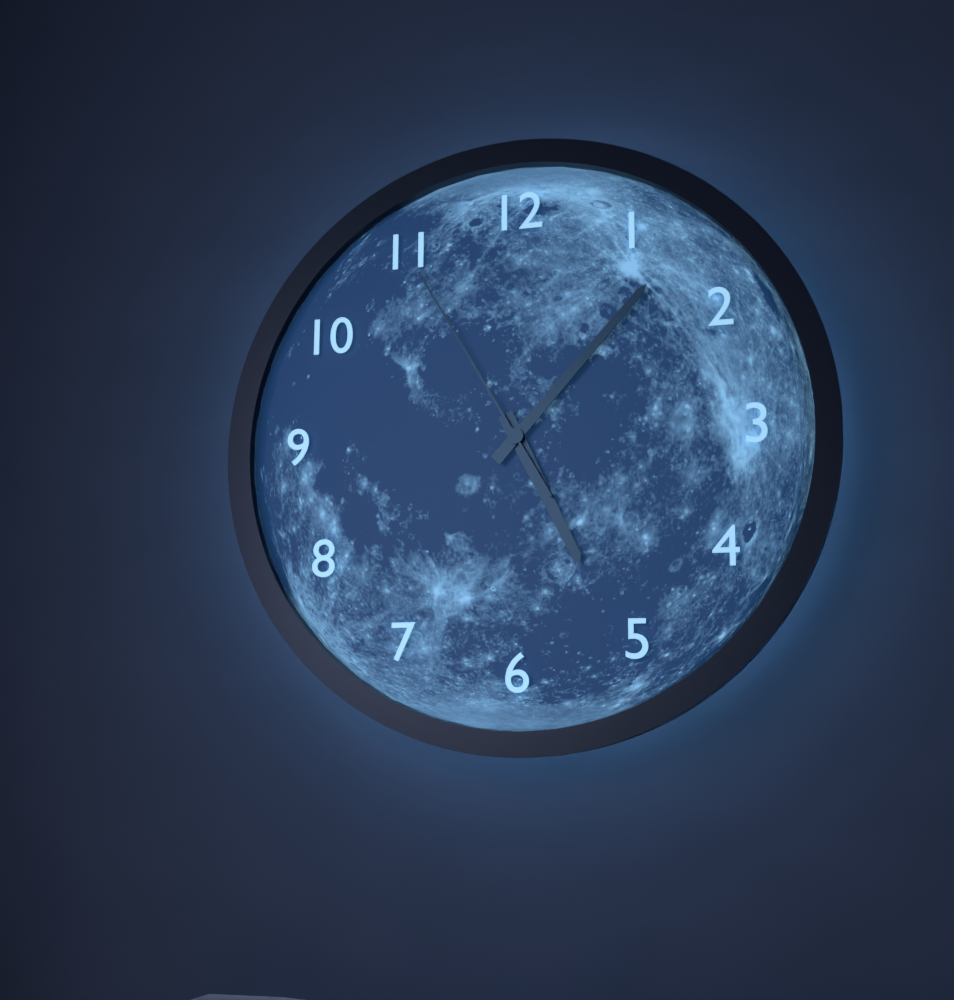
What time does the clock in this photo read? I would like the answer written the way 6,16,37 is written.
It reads 5,07,55
